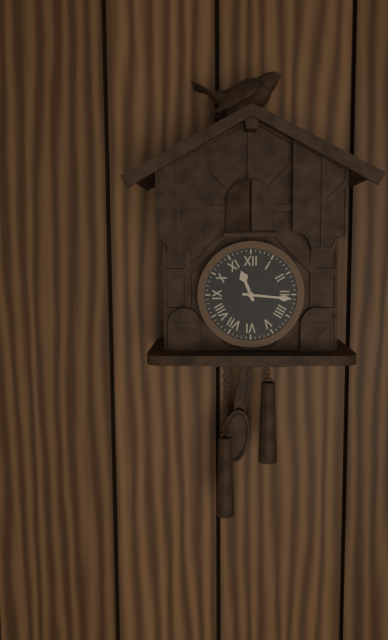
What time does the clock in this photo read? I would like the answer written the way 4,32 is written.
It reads 11,16
